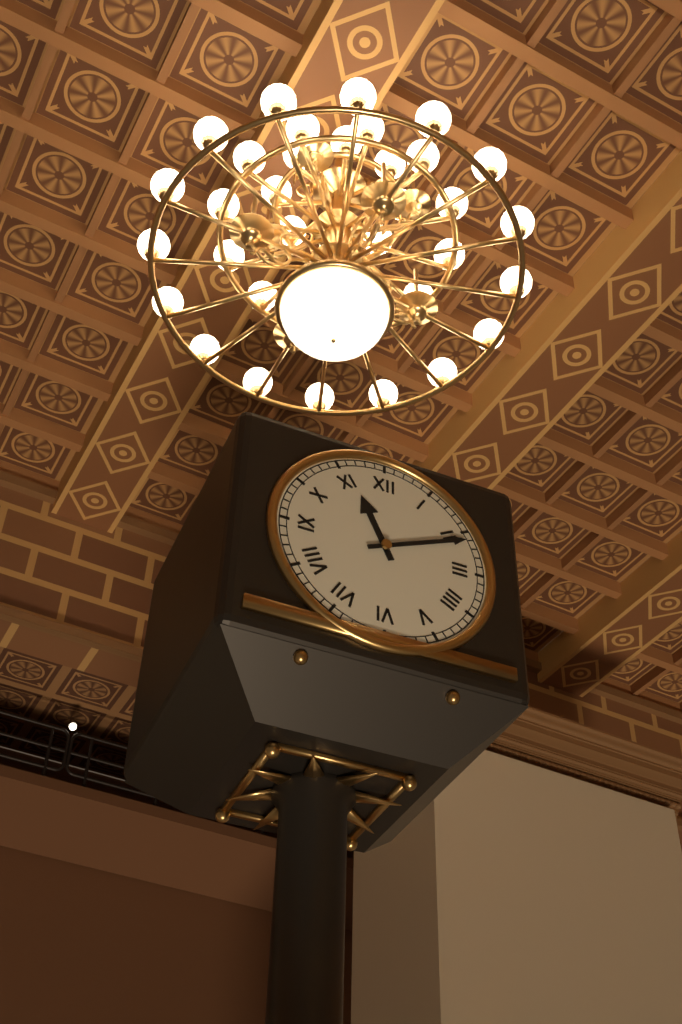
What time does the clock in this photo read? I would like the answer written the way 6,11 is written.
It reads 11,11
